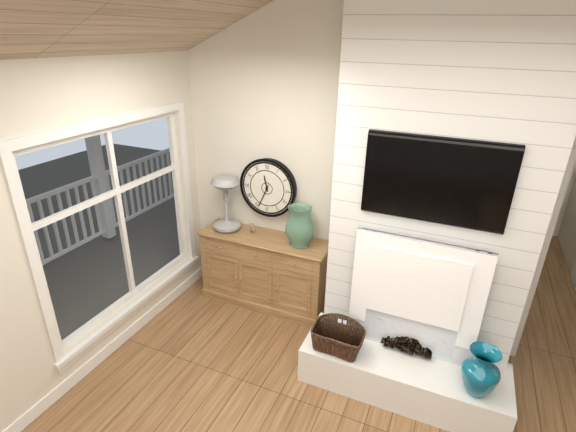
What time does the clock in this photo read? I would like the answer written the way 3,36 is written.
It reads 11,34
